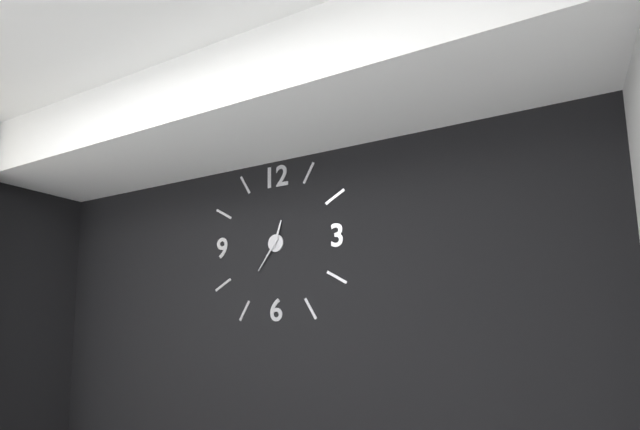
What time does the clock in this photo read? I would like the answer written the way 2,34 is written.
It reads 12,36
